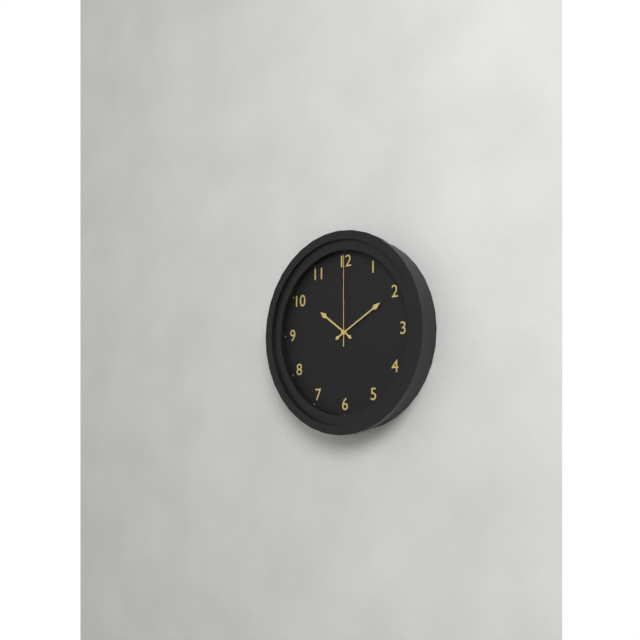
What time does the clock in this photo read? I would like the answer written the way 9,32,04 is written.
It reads 10,10,00
